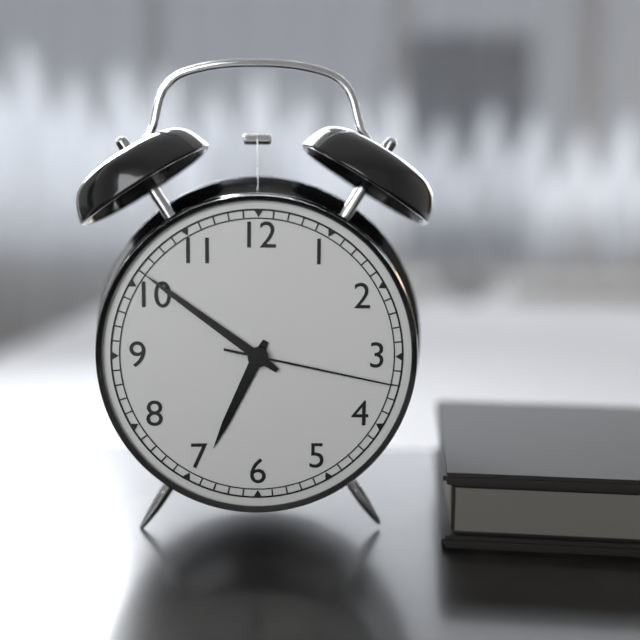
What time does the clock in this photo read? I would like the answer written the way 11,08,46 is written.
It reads 6,51,17
